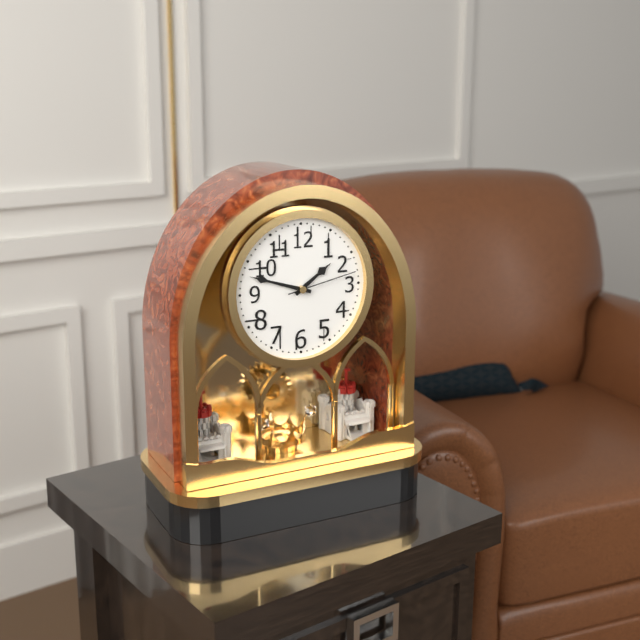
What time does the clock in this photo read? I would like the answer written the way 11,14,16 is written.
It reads 1,48,13
